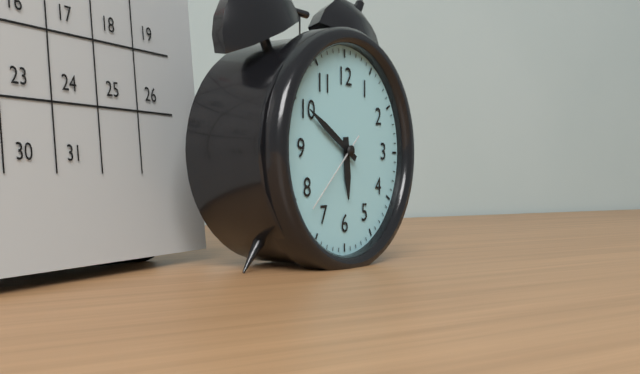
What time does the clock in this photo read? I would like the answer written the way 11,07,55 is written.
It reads 5,50,38
